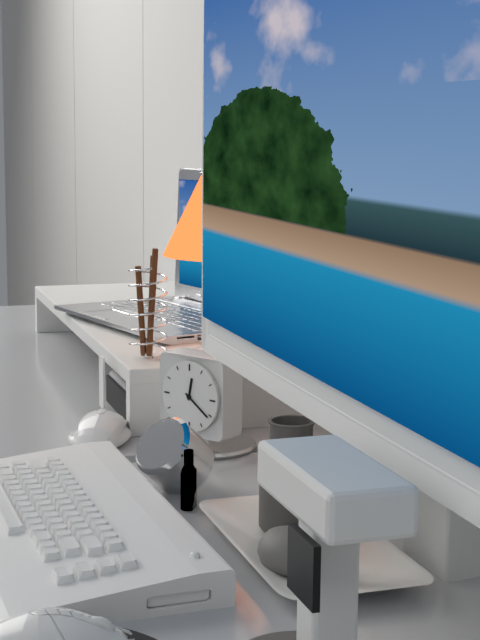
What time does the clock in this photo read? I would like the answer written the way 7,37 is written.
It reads 12,21
